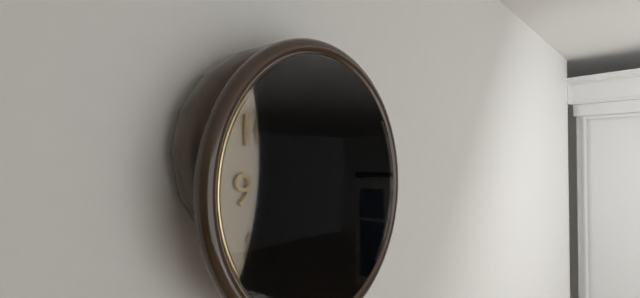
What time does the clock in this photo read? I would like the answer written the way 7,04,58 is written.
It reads 12,19,51
